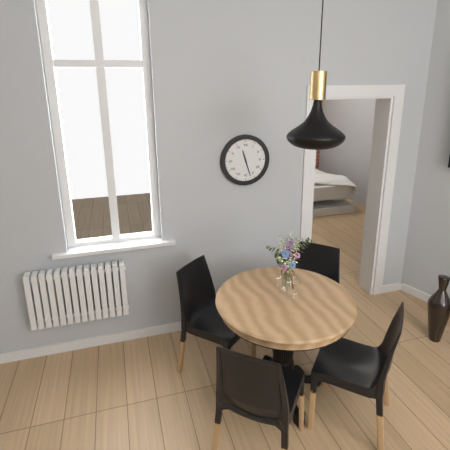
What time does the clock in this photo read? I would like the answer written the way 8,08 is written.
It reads 11,27
